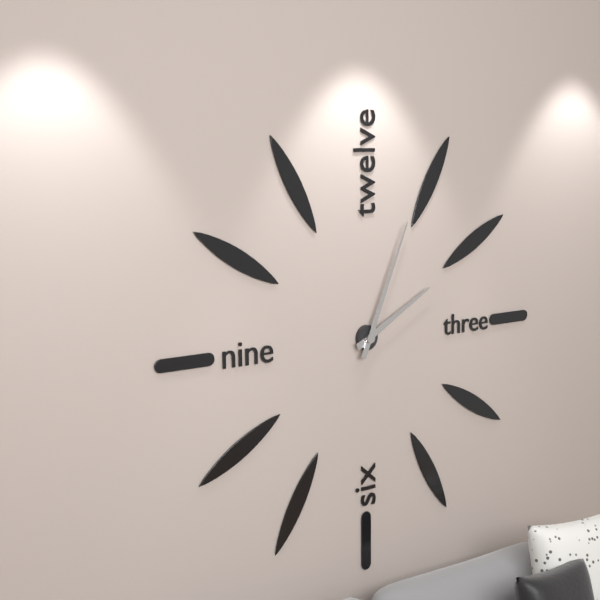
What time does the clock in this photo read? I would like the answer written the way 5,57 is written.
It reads 2,04
